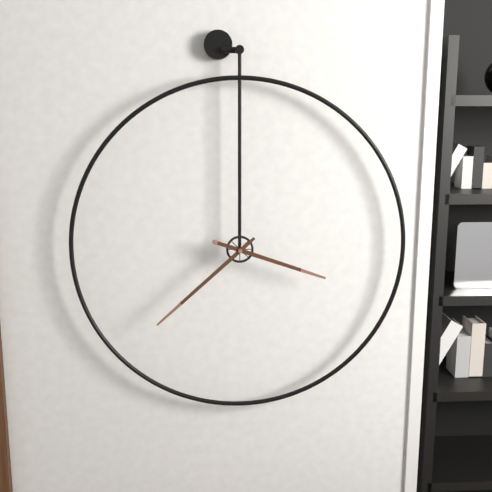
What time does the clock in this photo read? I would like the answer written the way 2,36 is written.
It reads 3,38
